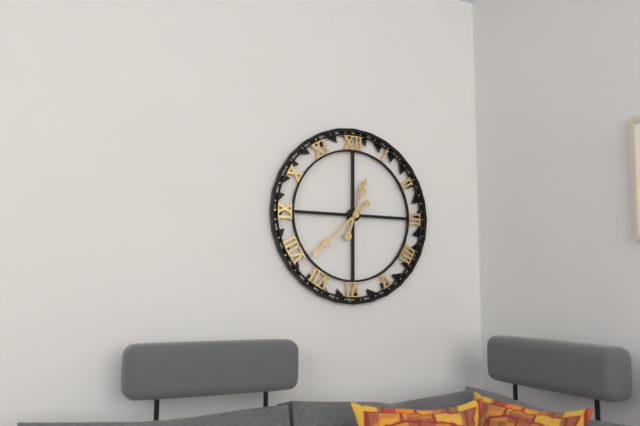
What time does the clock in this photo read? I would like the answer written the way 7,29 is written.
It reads 12,38
